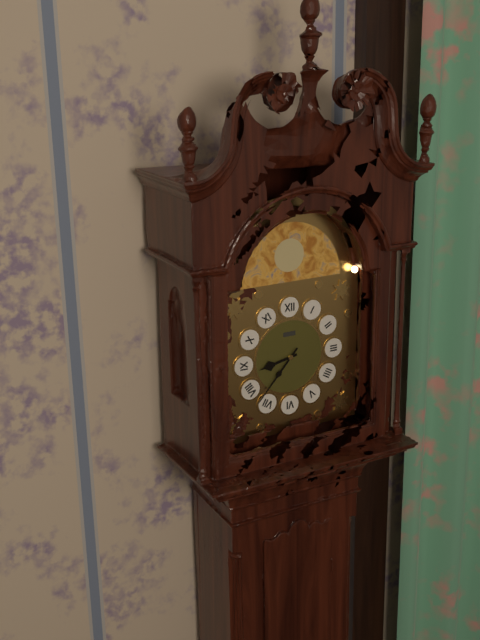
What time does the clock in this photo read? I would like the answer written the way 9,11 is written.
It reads 8,37
